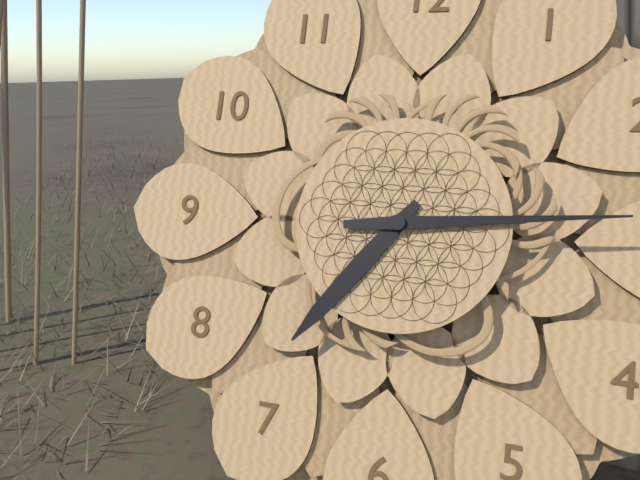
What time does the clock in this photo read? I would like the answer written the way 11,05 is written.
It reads 7,14
